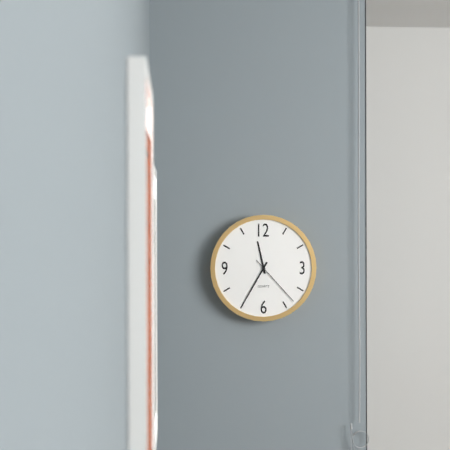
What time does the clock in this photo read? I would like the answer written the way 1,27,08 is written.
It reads 11,35,23
